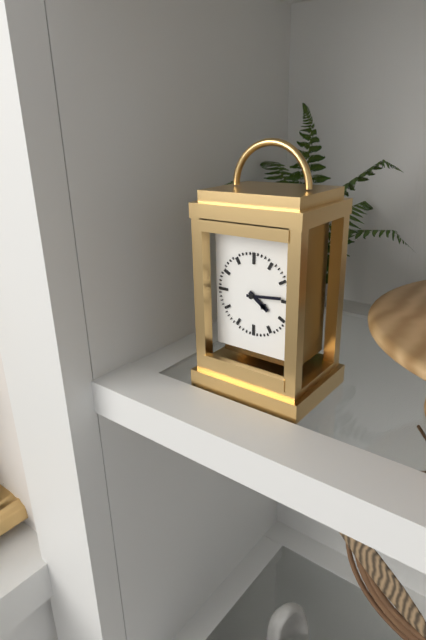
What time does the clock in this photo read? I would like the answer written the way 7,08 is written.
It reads 4,14
